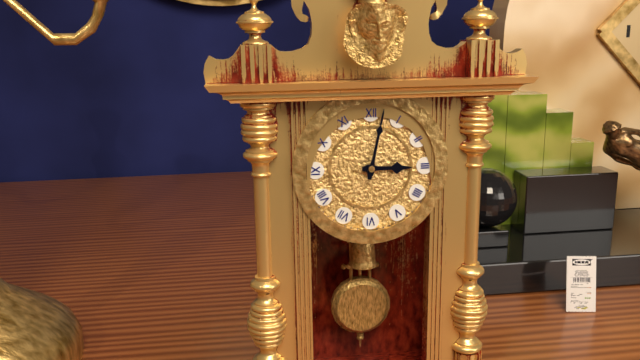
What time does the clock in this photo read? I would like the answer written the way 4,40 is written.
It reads 3,02
